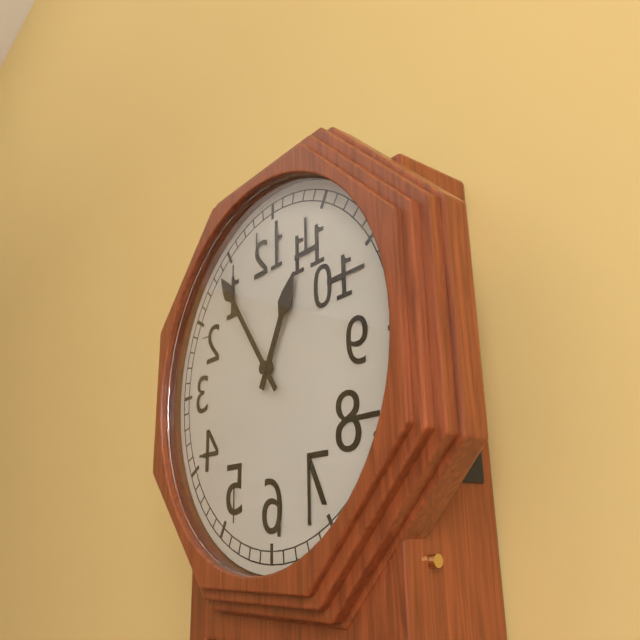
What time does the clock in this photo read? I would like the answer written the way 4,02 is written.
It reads 12,54
